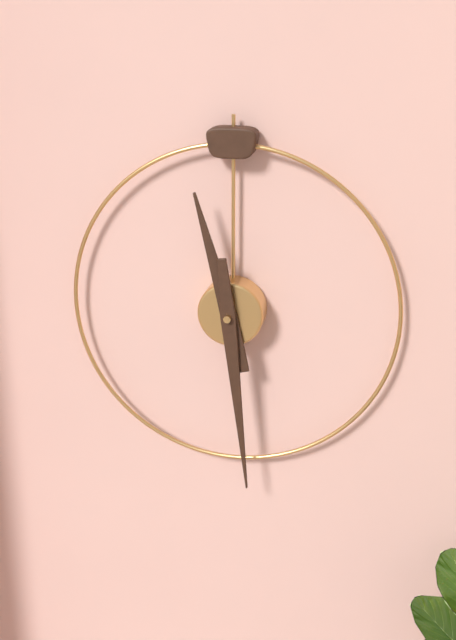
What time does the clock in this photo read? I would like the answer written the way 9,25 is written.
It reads 11,29
